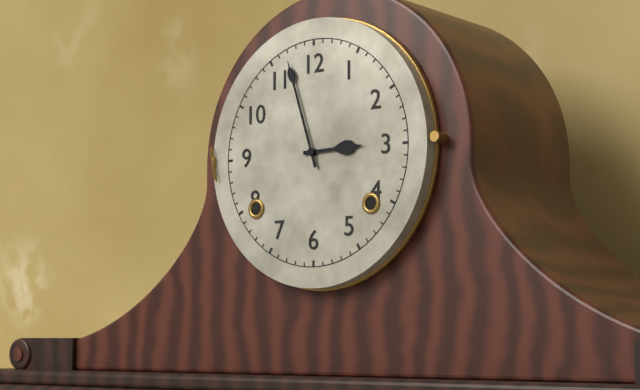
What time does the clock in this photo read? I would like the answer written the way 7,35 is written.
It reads 2,57
